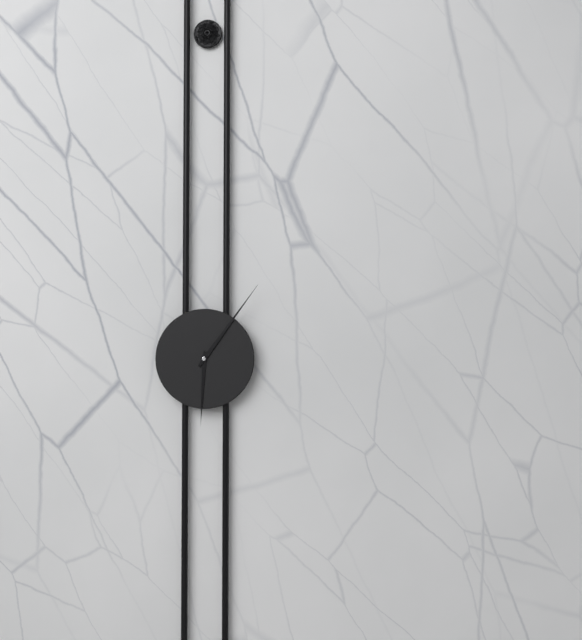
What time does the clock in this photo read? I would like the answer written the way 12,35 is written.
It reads 6,06
